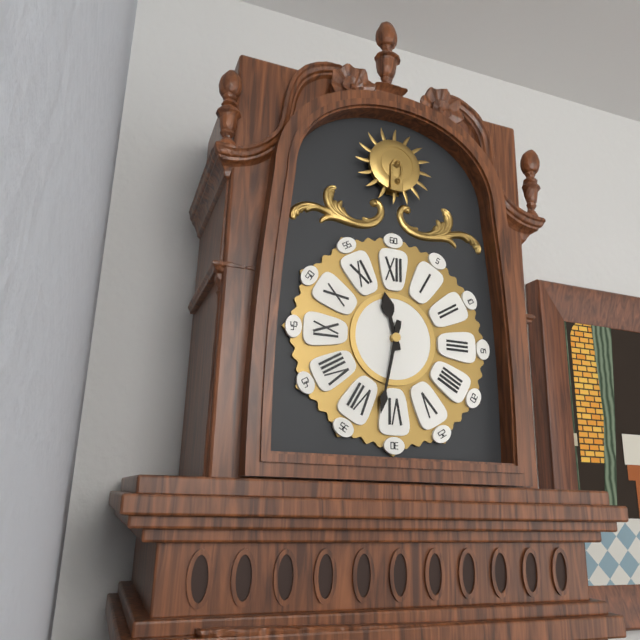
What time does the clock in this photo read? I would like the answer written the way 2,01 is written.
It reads 11,32
